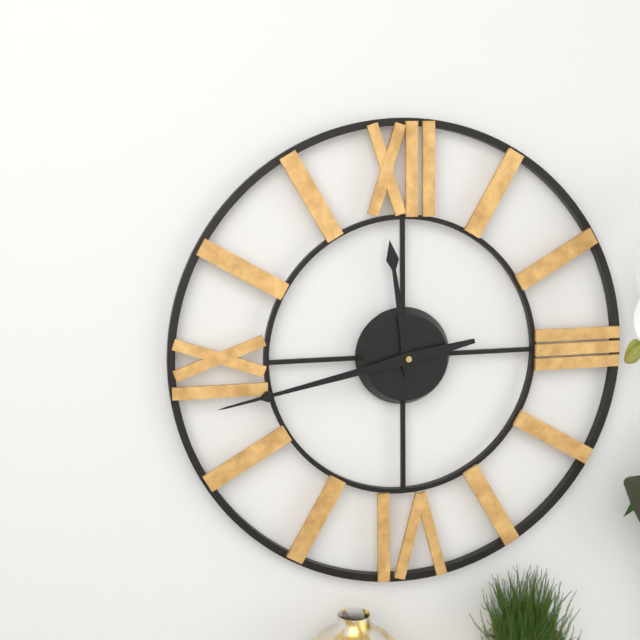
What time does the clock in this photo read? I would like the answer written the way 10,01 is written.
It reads 11,43
